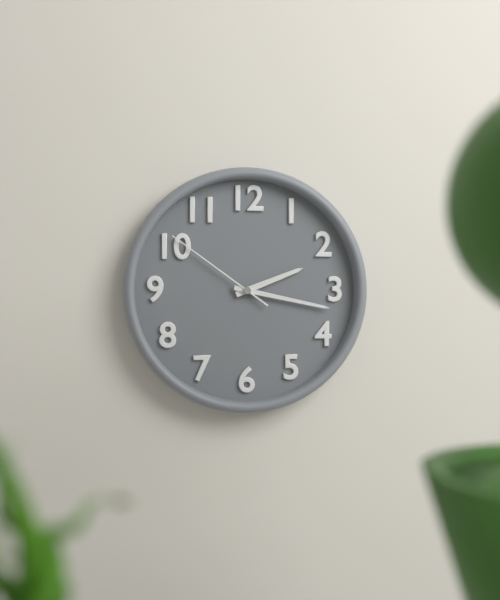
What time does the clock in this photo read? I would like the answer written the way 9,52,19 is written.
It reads 2,17,51
